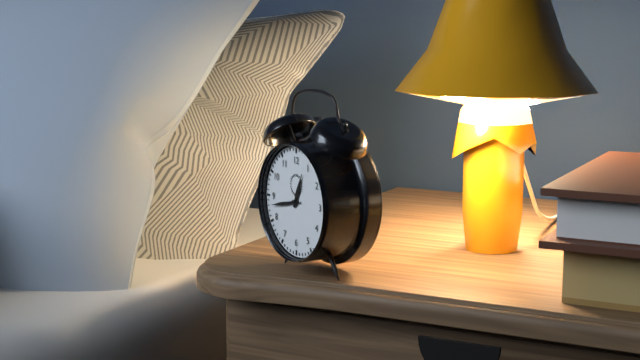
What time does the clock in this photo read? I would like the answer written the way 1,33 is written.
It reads 12,43
